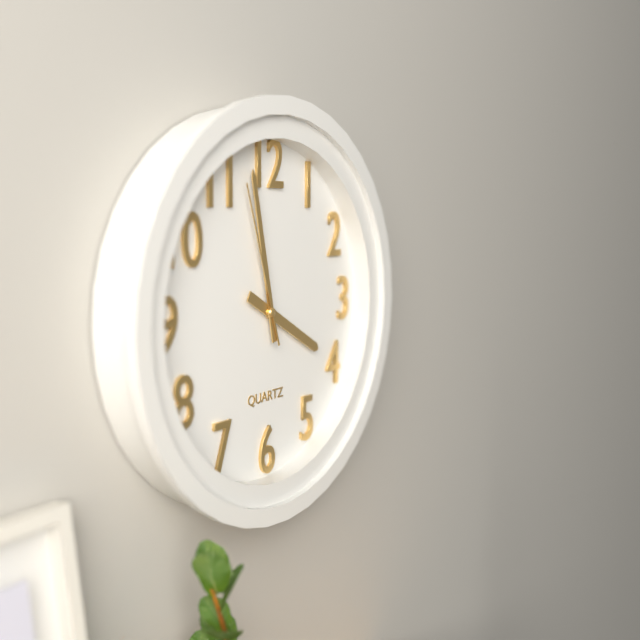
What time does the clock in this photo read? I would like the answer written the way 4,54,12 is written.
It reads 3,58,57
